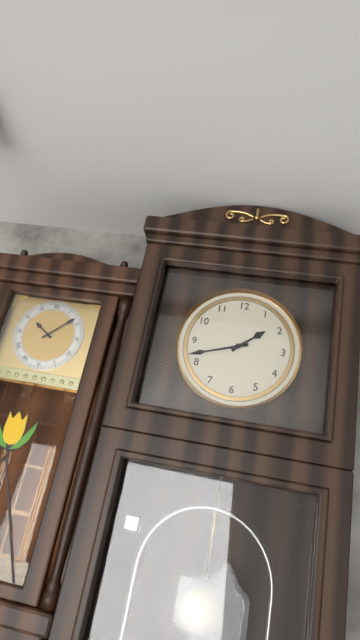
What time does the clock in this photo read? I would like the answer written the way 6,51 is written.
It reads 1,42
